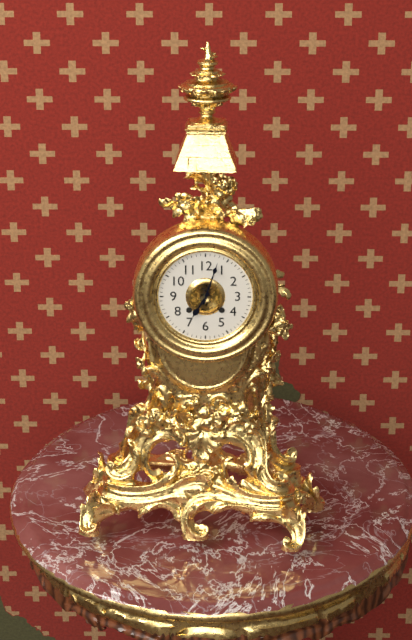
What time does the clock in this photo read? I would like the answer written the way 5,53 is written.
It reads 7,03
